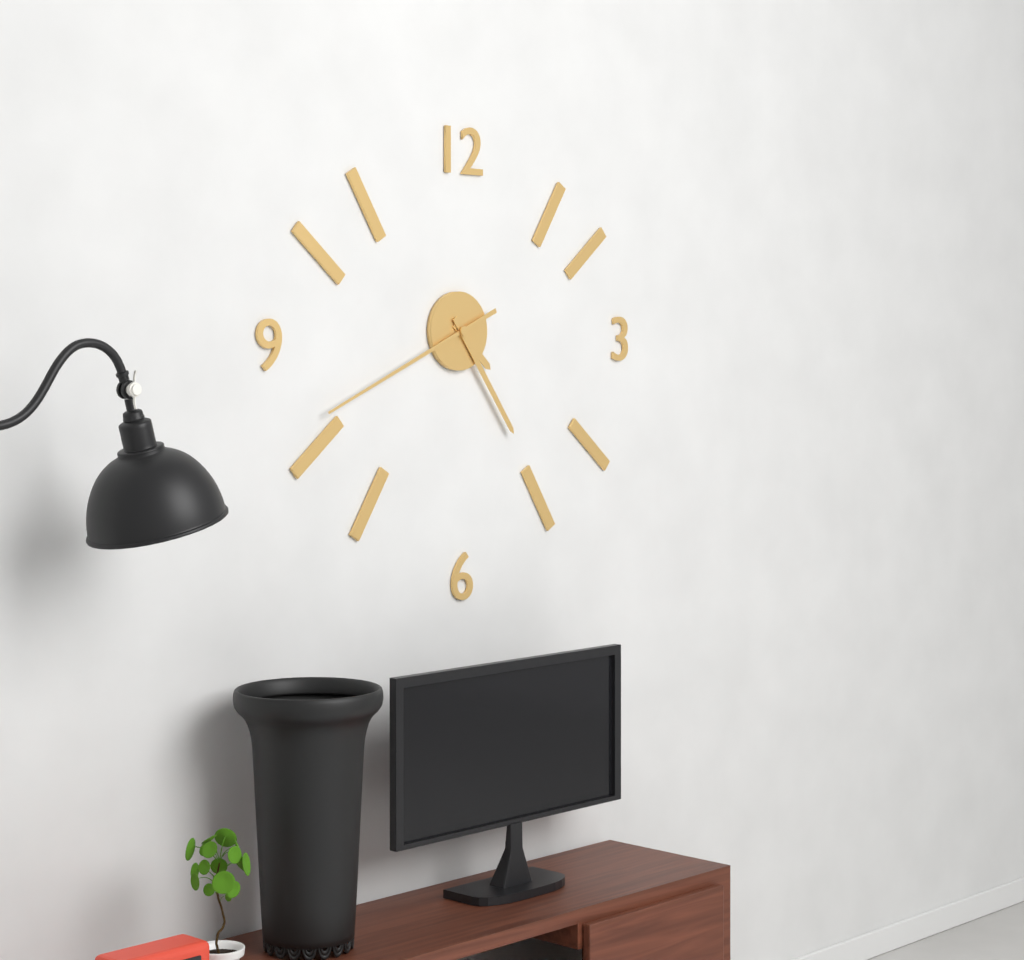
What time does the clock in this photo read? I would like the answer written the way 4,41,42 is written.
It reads 4,24,41
